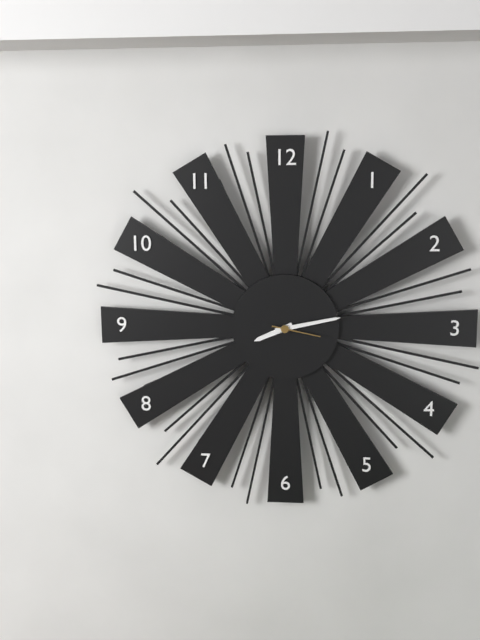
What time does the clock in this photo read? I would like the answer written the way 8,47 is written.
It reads 8,13
